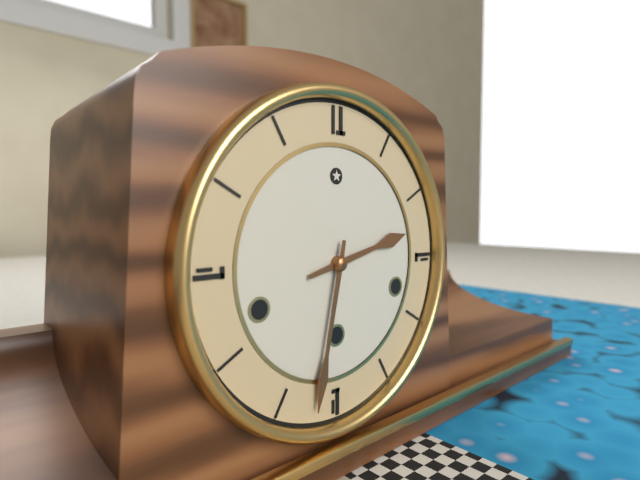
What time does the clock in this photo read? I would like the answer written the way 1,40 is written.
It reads 2,32
